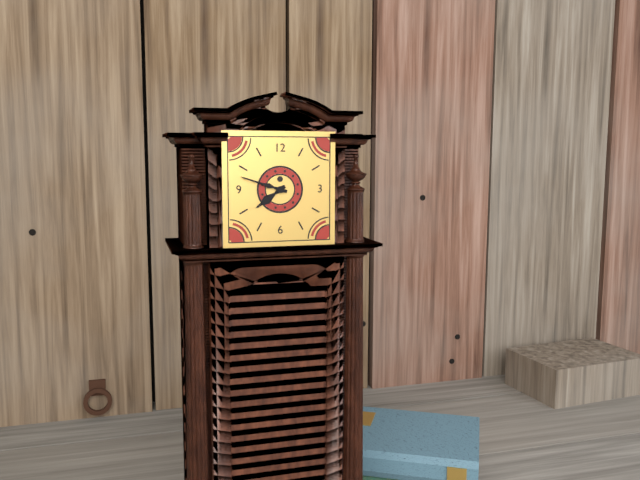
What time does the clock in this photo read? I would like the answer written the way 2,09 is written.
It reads 7,48
